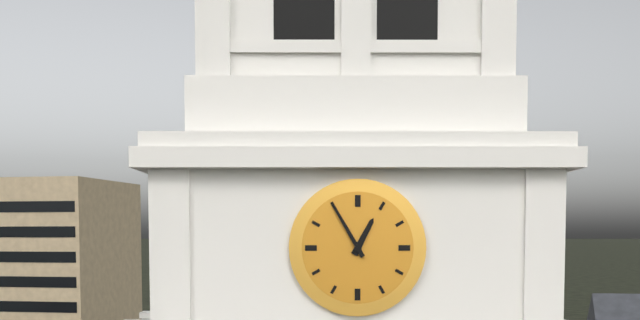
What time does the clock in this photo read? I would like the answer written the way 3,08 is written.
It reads 12,55
